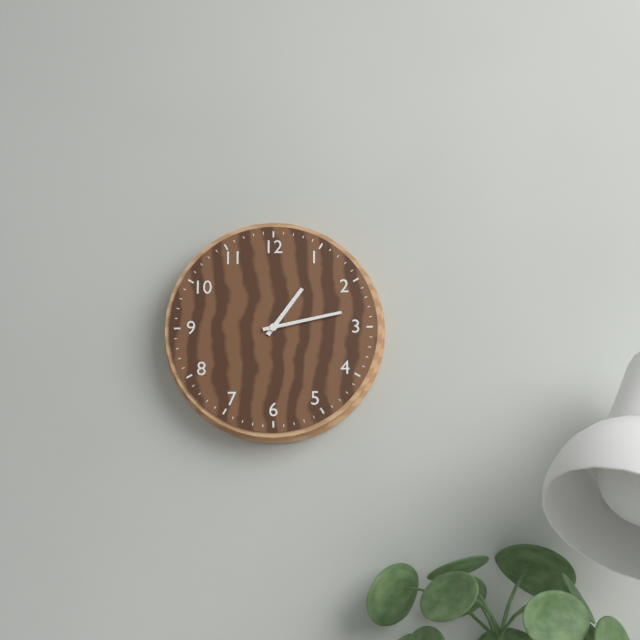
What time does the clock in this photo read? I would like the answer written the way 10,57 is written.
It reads 1,13
